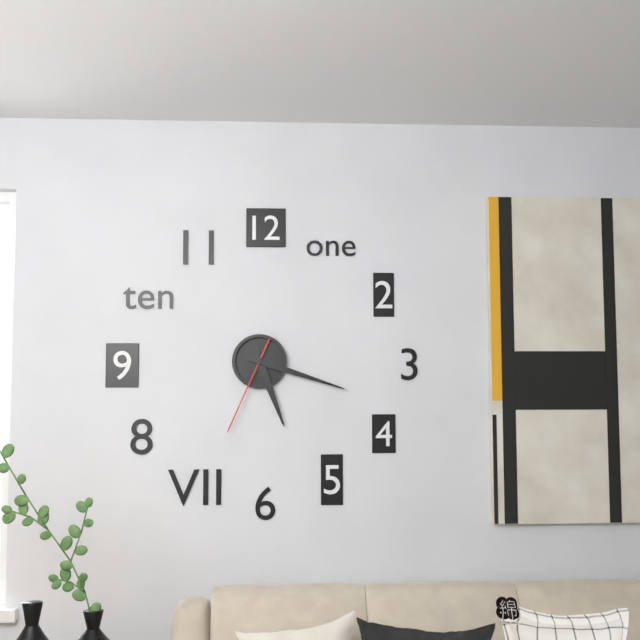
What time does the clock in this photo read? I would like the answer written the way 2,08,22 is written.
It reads 5,18,34
